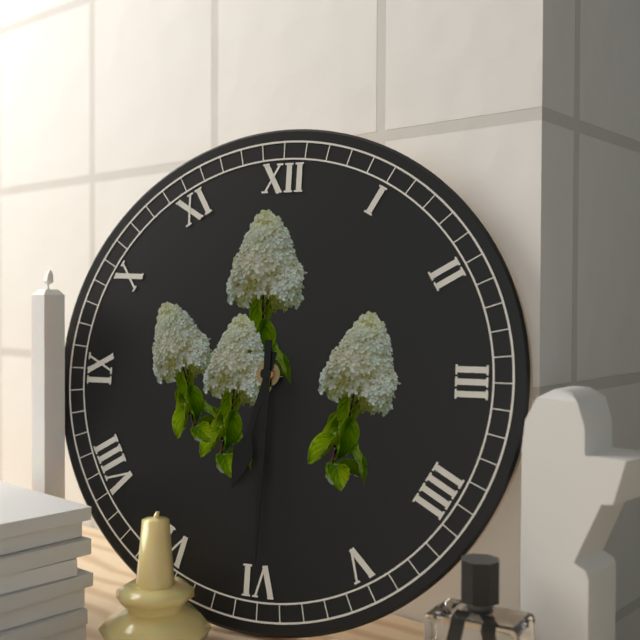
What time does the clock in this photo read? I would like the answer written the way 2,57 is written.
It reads 6,30
